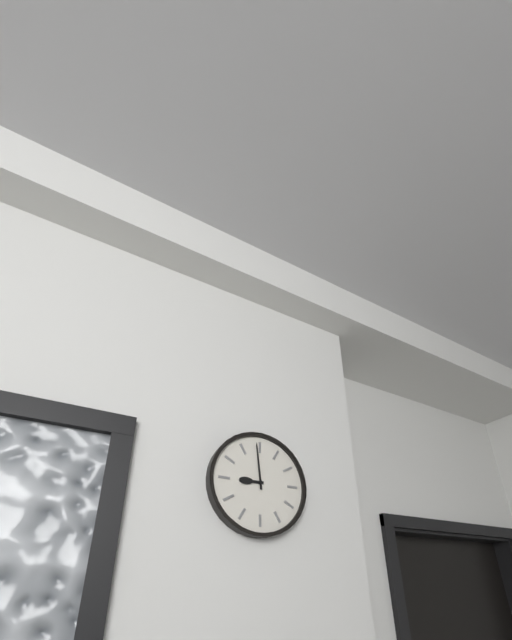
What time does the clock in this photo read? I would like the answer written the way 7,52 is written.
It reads 8,59
